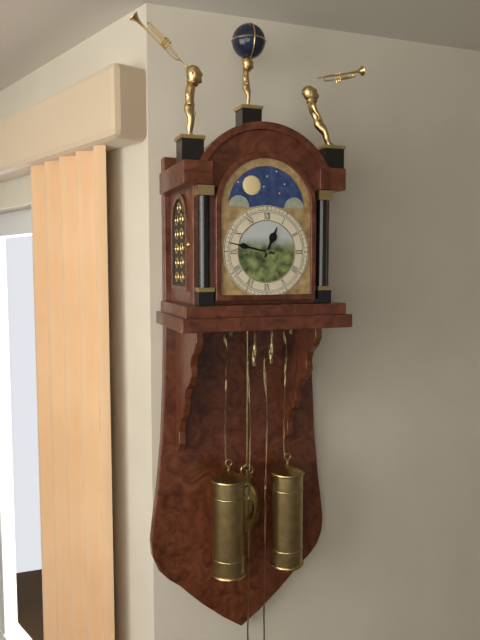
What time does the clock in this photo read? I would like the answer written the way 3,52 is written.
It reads 12,47
